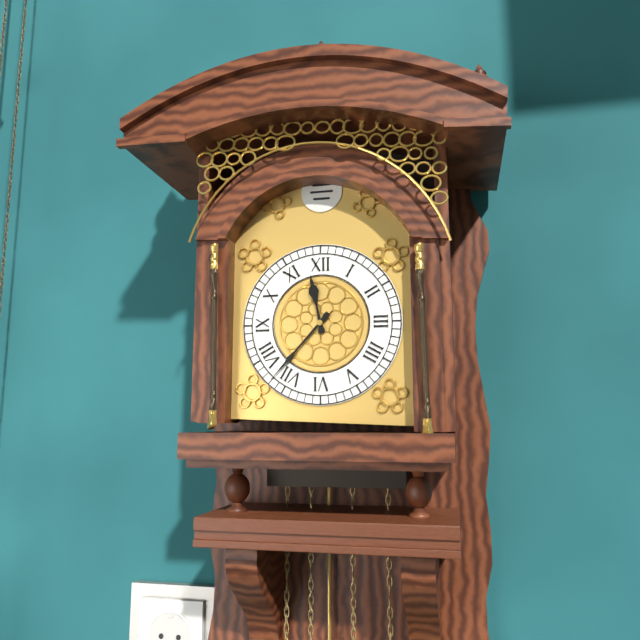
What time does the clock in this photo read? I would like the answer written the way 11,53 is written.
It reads 11,37
